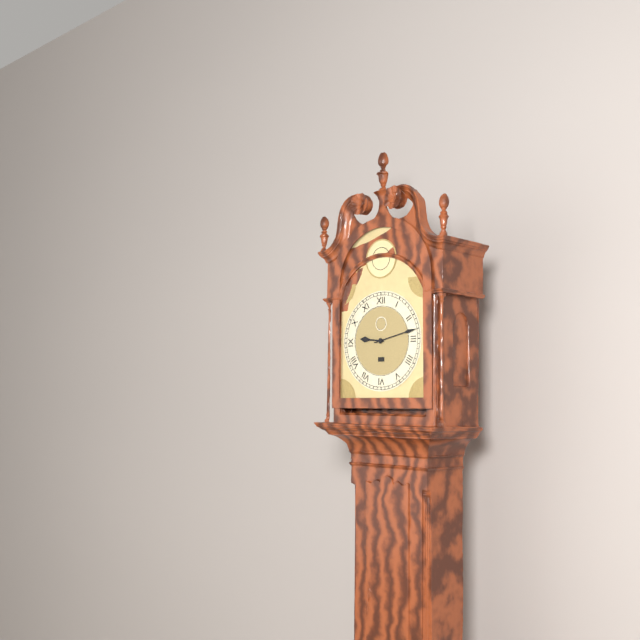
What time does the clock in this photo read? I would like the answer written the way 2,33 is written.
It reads 9,13
